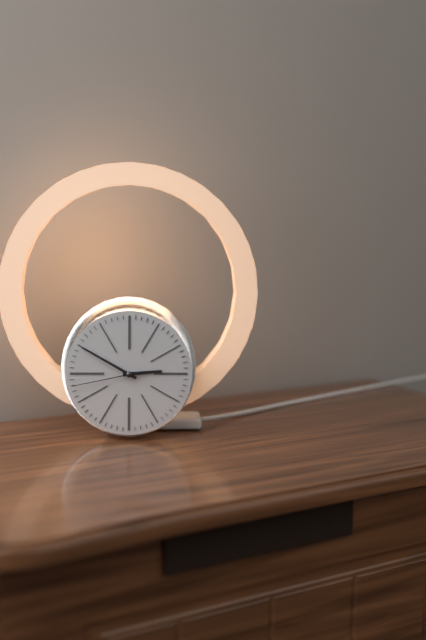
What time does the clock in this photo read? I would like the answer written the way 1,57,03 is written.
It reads 2,50,43
